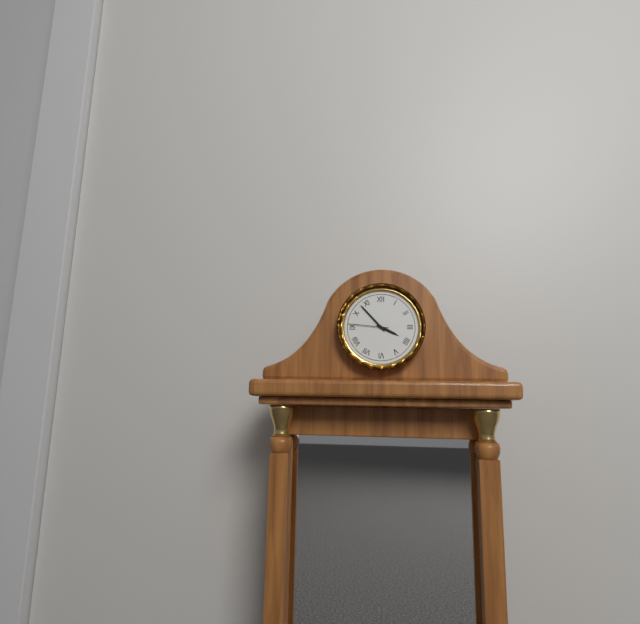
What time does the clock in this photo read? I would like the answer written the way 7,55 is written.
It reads 3,53
